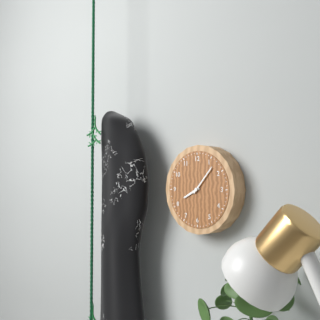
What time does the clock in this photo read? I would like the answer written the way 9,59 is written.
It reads 8,07
